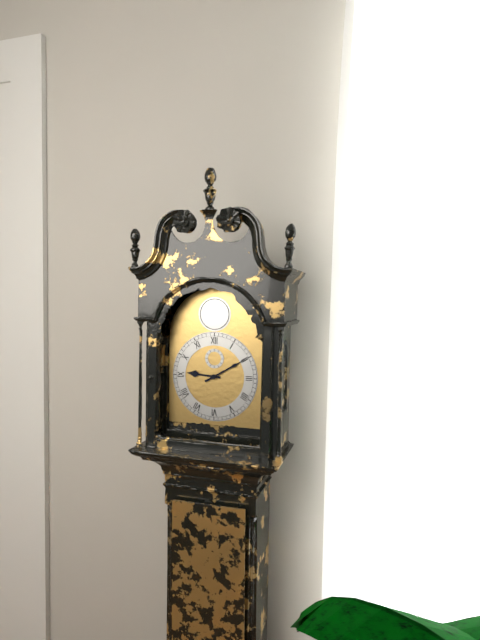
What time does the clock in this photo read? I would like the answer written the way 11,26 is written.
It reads 9,10
